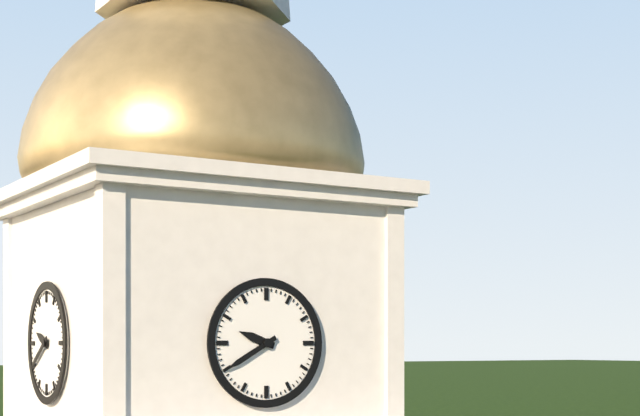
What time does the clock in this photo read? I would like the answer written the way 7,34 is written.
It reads 9,40
